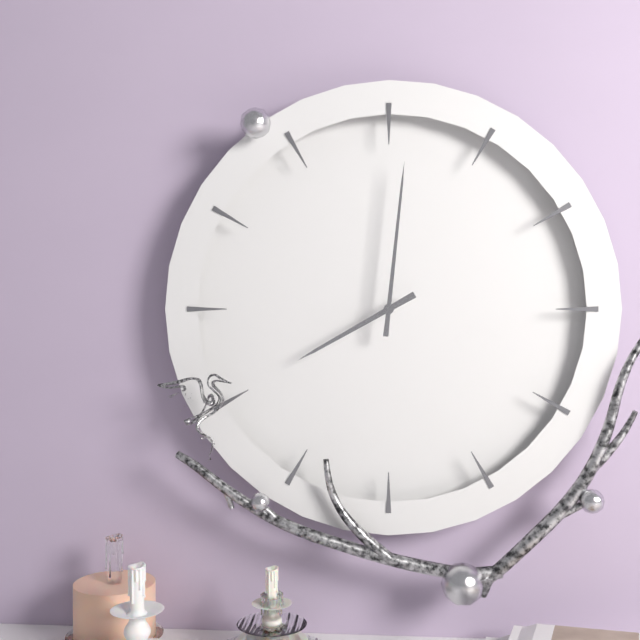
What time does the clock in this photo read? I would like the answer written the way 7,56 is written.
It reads 8,01
